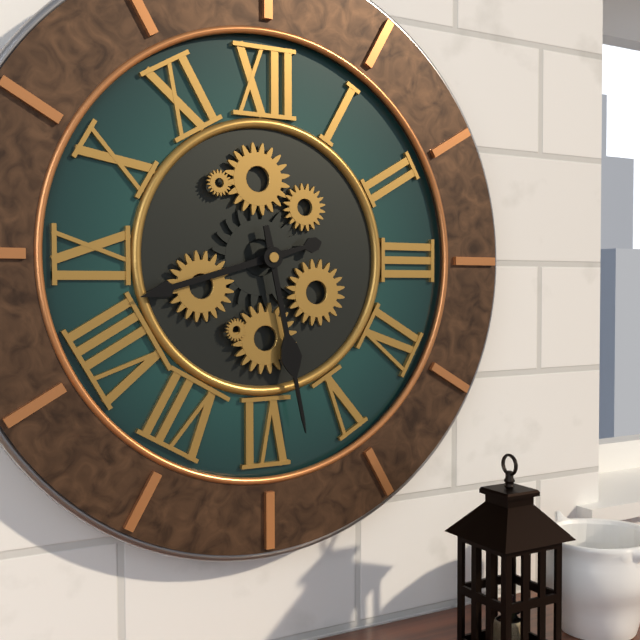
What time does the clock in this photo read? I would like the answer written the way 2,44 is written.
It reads 8,28
